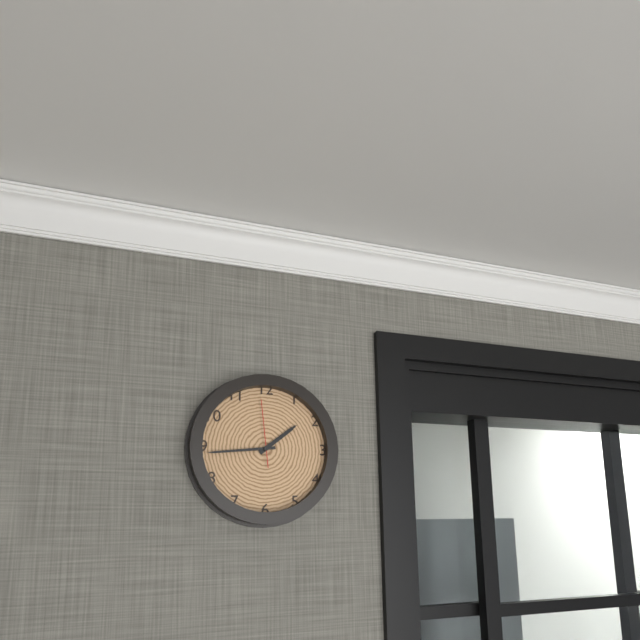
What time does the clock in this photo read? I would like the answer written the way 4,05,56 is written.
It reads 1,44,59
